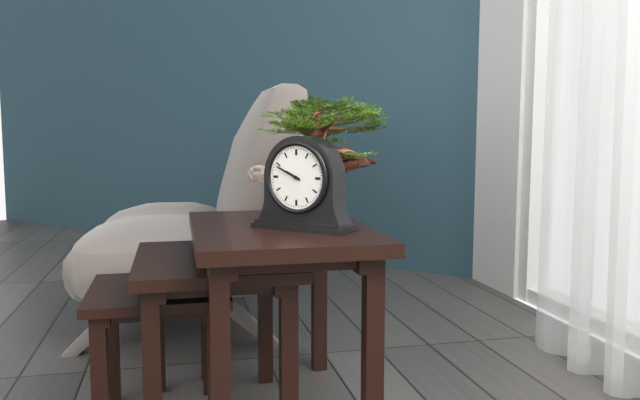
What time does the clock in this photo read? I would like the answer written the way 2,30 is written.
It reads 9,49
